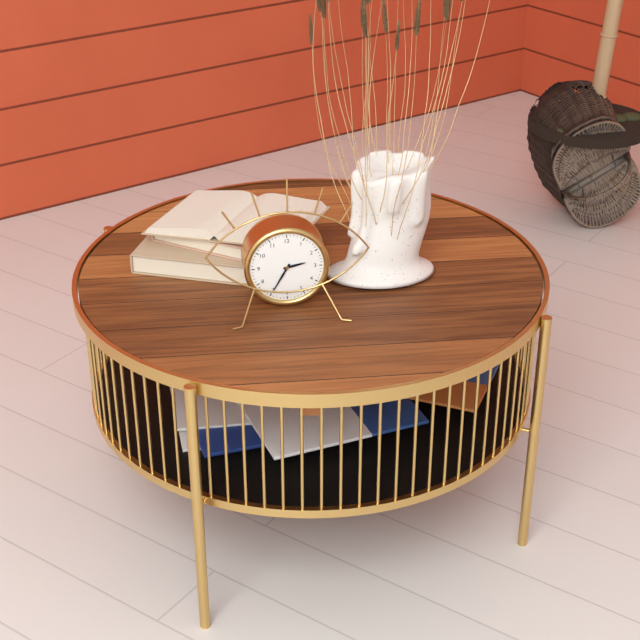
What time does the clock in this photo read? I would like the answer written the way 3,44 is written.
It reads 2,35
